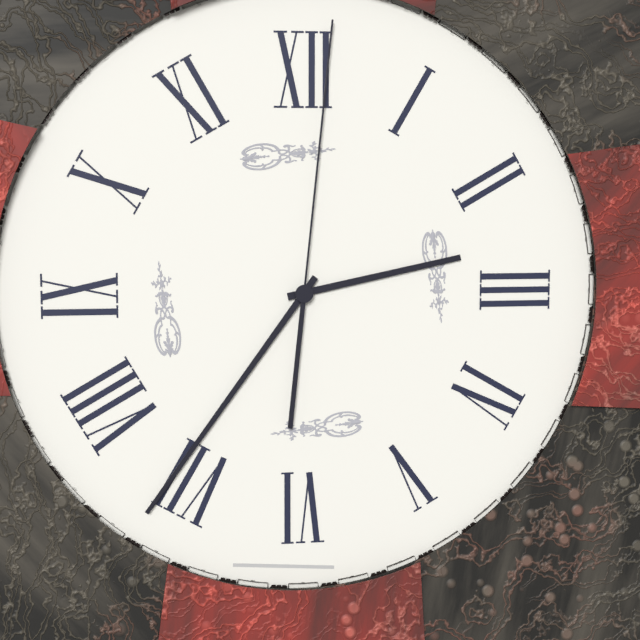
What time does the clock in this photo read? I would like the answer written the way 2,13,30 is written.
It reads 2,36,01
